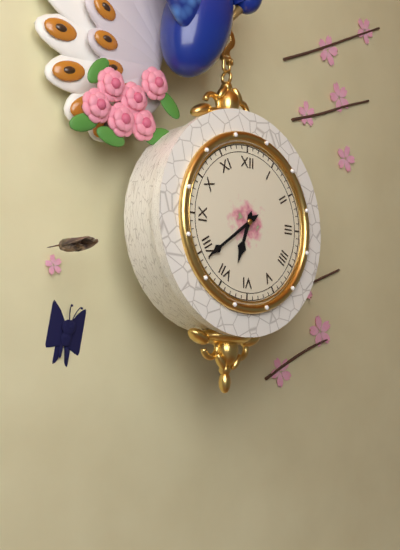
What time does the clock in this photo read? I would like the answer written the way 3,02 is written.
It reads 6,39
